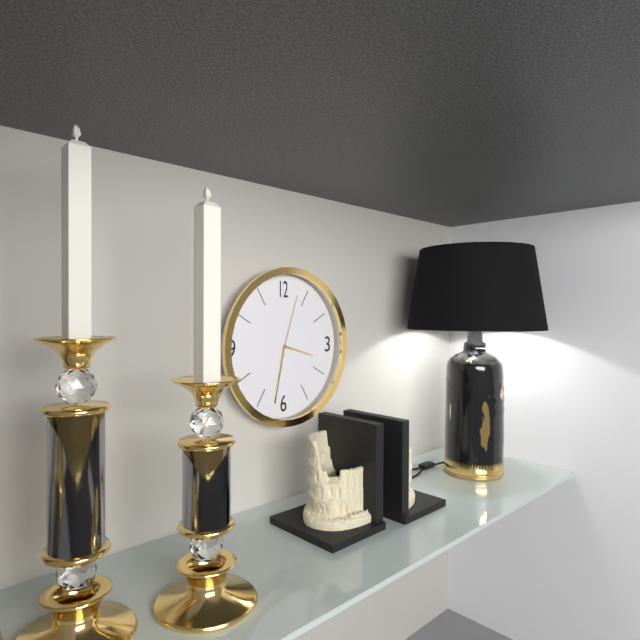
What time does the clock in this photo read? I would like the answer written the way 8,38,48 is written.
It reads 3,32,03
